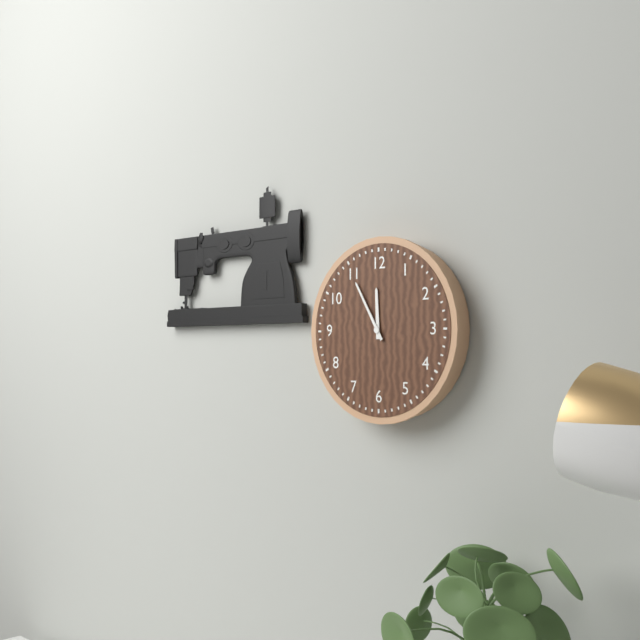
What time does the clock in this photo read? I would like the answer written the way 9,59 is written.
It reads 11,55
